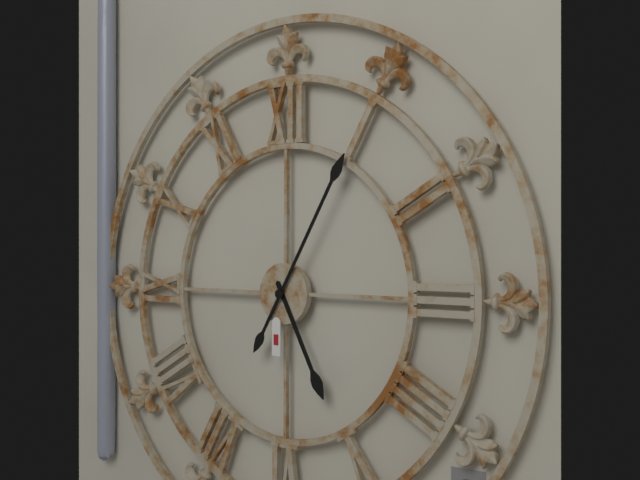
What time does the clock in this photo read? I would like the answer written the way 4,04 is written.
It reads 5,05
